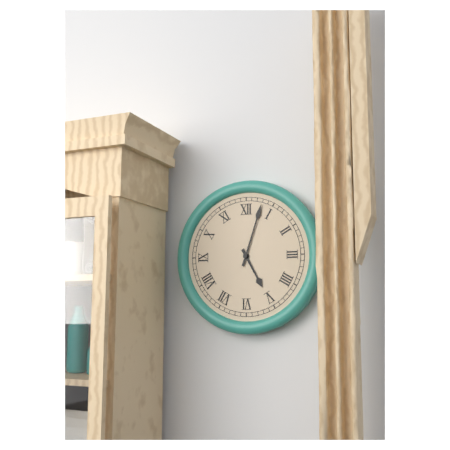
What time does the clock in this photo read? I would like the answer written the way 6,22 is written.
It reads 5,03
